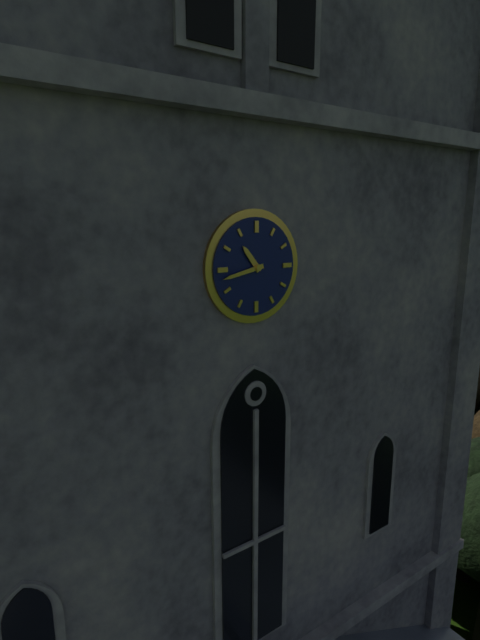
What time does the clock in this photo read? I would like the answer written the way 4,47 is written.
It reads 10,43
